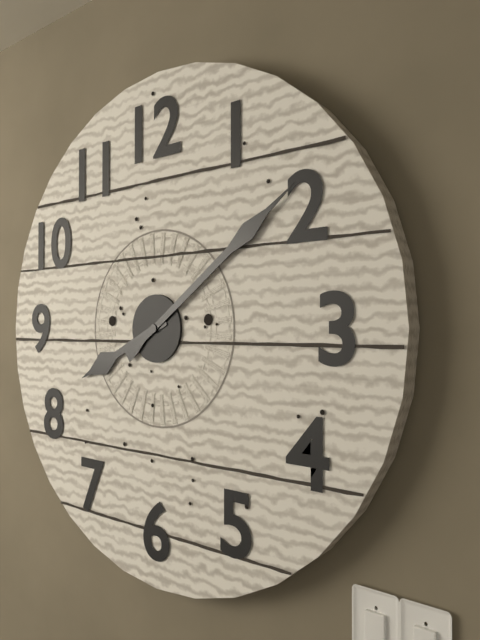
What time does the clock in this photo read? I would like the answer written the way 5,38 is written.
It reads 8,09
